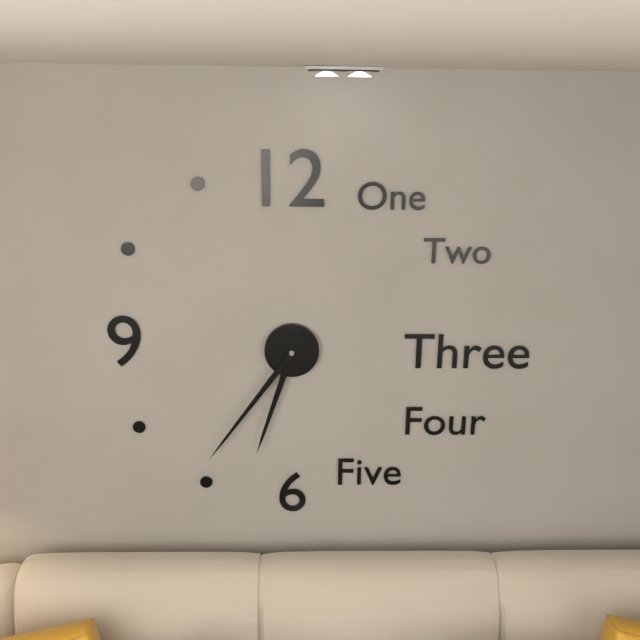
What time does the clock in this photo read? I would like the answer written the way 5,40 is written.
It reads 6,36
